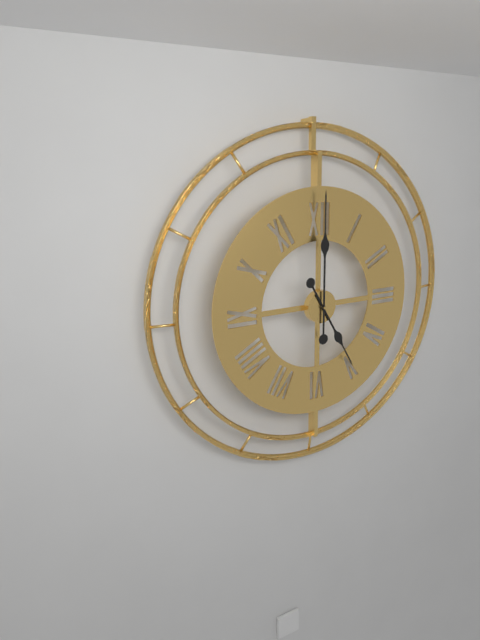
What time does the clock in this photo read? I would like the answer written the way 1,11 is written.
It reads 5,00
